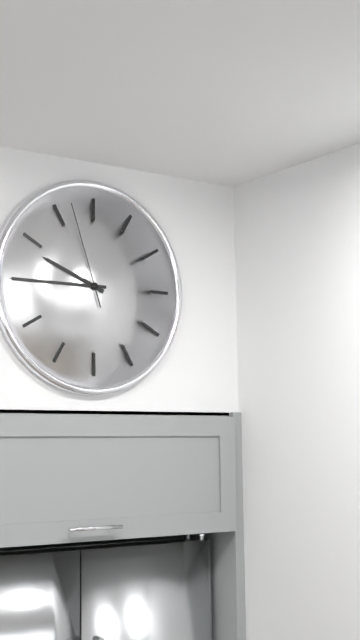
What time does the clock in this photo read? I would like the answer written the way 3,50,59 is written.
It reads 9,45,57
